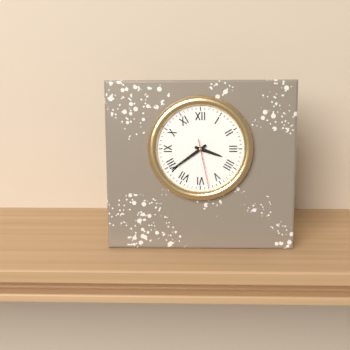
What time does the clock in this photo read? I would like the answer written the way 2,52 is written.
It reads 3,39
